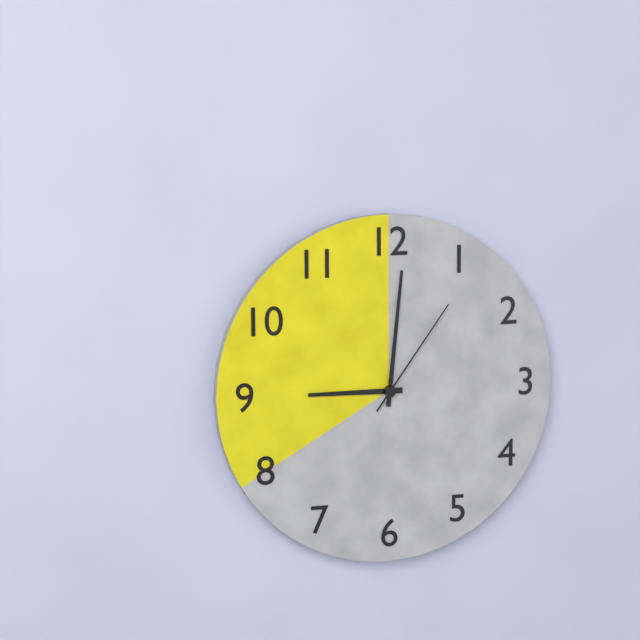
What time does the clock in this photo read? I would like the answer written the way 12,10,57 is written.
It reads 9,01,06
